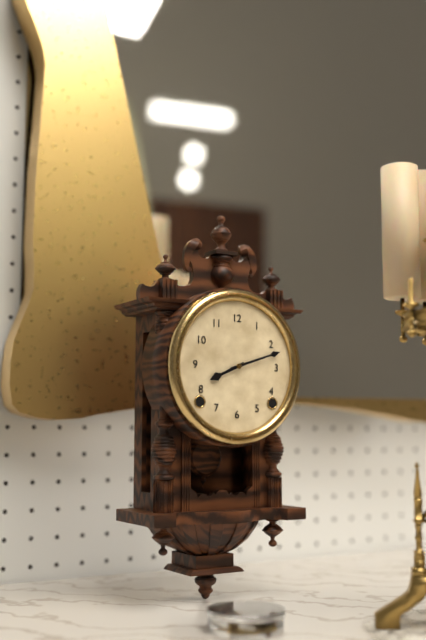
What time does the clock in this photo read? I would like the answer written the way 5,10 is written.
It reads 8,12
